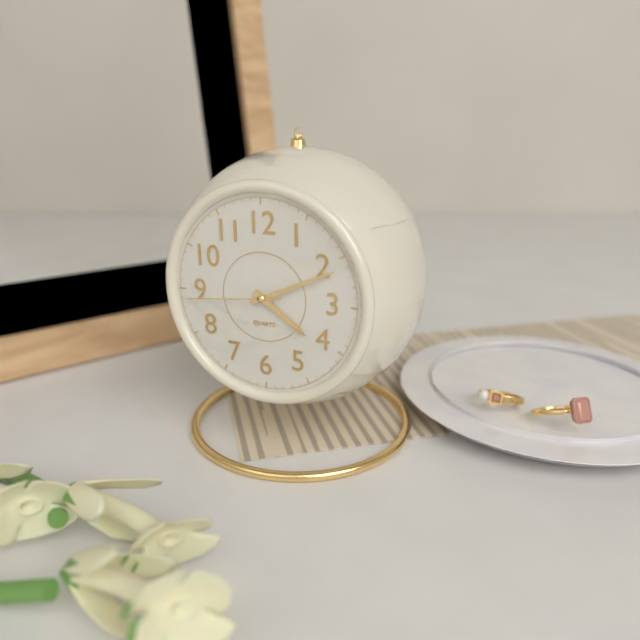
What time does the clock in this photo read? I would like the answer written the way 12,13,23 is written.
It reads 4,11,44
